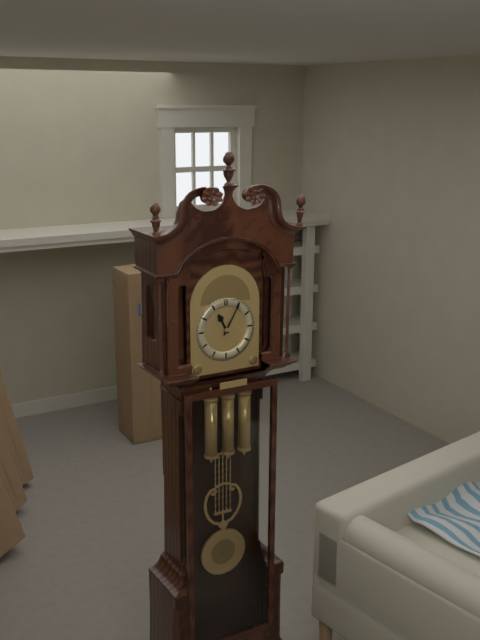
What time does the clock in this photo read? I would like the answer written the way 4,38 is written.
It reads 11,05
